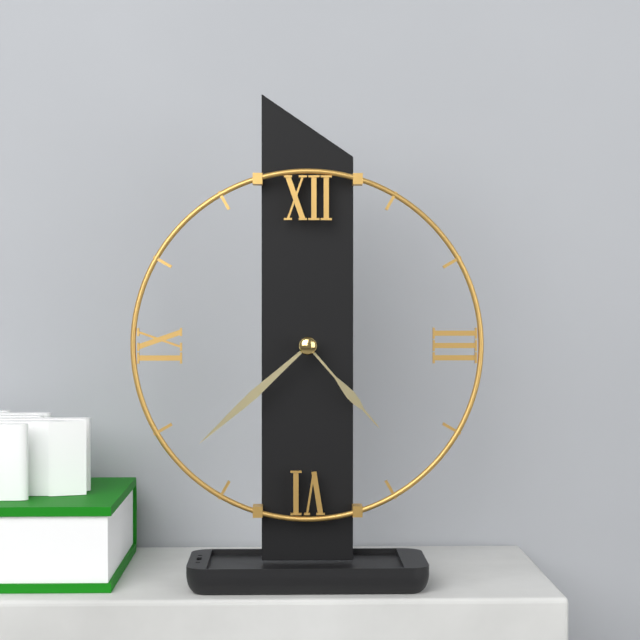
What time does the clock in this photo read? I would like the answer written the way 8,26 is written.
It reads 4,38
